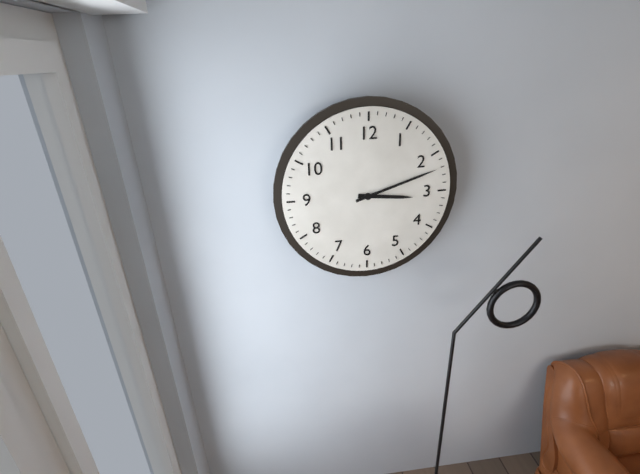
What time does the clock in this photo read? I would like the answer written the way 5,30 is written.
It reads 3,12
